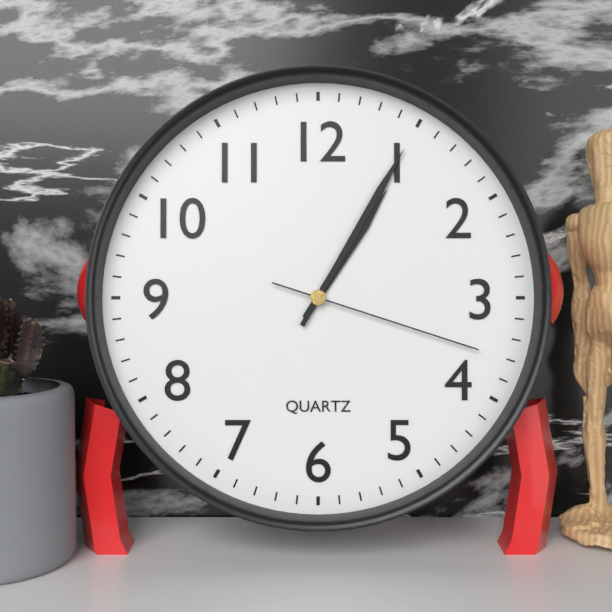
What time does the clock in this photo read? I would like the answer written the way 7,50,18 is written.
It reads 1,05,18
